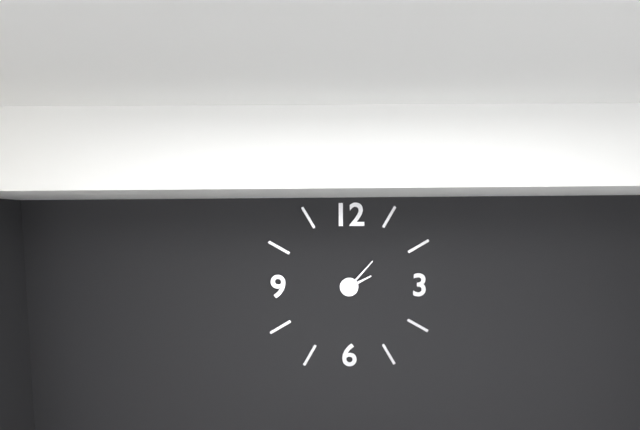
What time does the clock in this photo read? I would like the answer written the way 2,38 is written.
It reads 2,07
